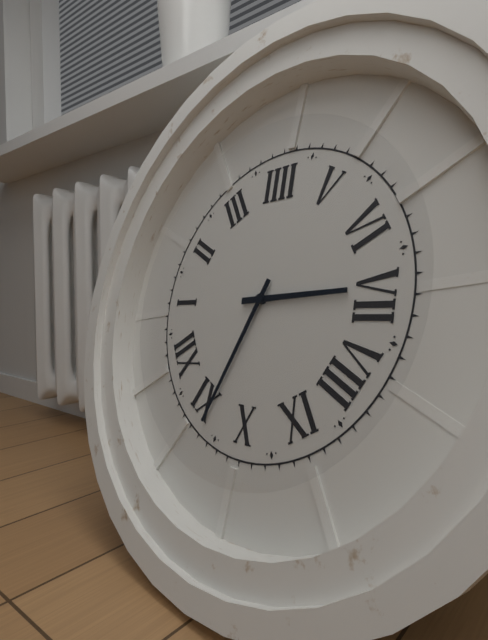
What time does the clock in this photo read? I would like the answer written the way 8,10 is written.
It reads 6,54
